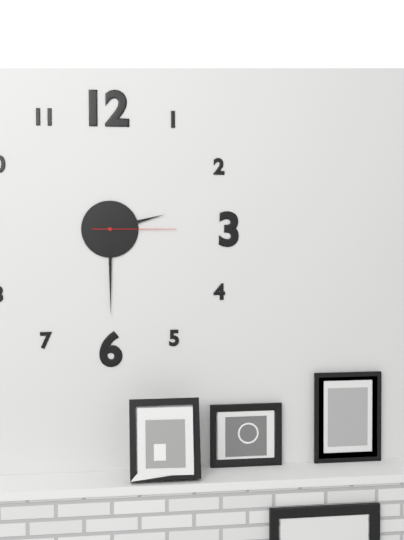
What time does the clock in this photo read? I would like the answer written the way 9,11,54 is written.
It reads 2,30,15
